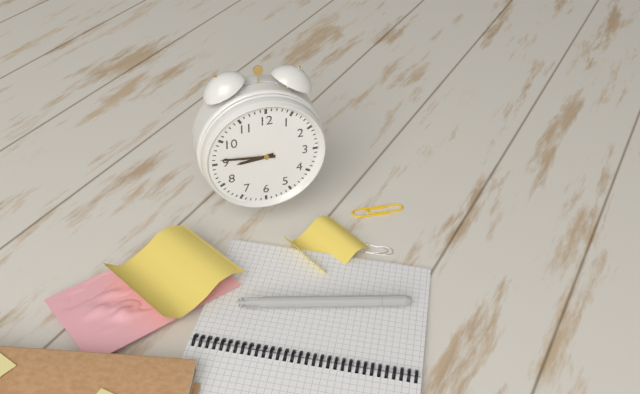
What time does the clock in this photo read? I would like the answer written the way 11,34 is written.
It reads 8,46
